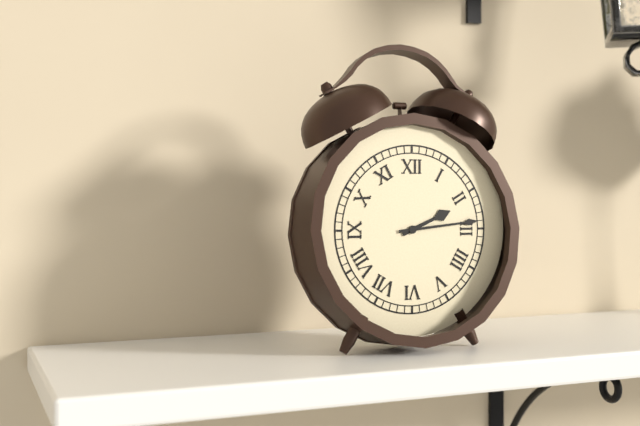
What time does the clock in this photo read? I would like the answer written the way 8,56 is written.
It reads 2,14
